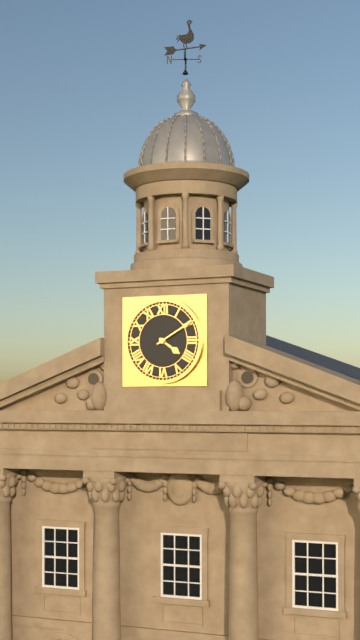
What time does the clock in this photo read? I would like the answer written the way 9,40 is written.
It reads 4,10
